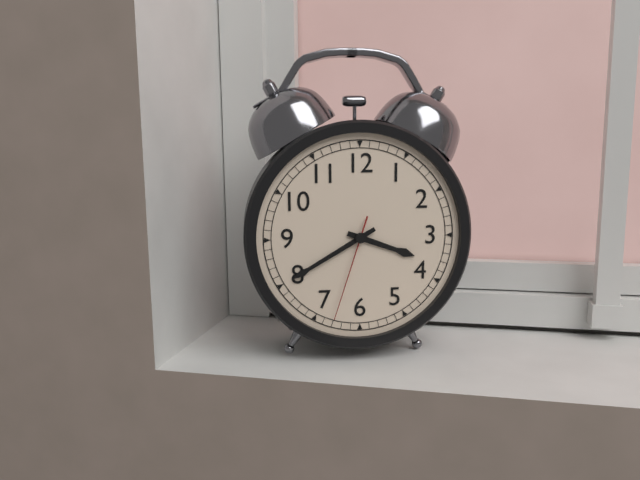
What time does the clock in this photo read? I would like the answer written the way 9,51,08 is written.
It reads 3,40,33
